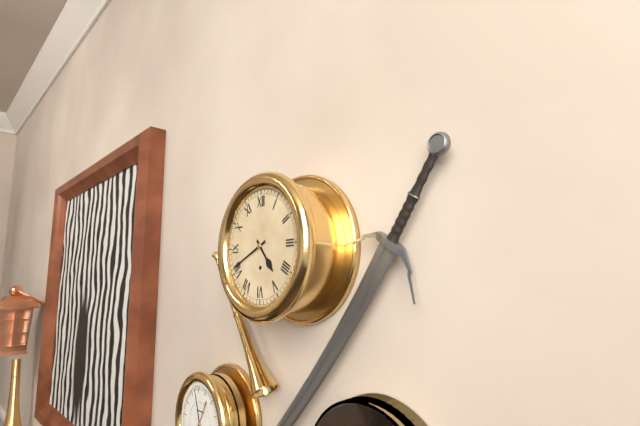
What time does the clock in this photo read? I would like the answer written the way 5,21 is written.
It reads 4,41
